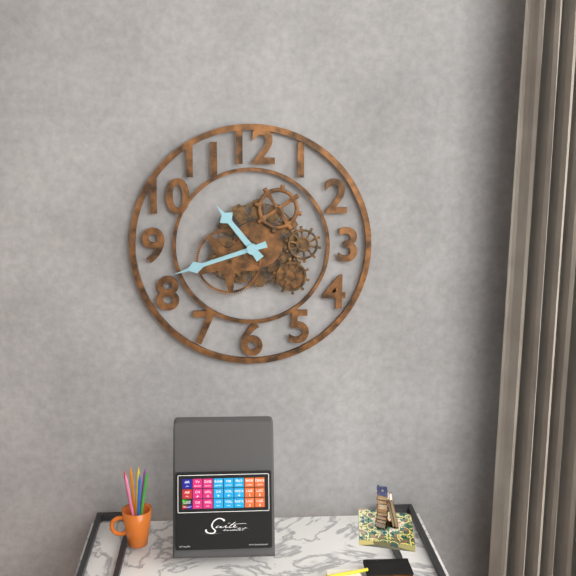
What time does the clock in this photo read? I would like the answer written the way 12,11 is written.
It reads 10,42
